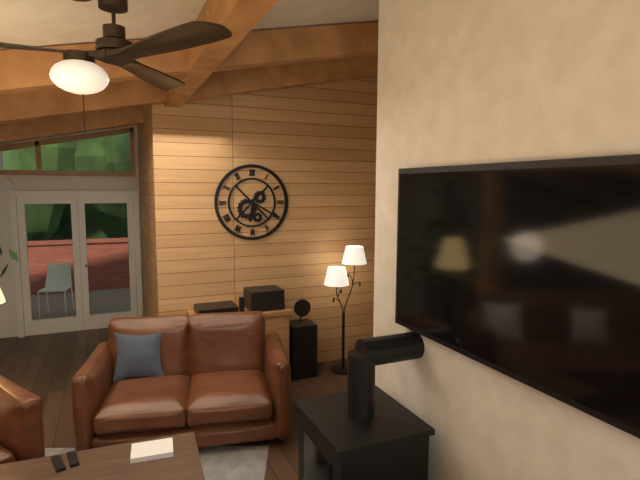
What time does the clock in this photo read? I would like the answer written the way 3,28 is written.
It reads 6,20
